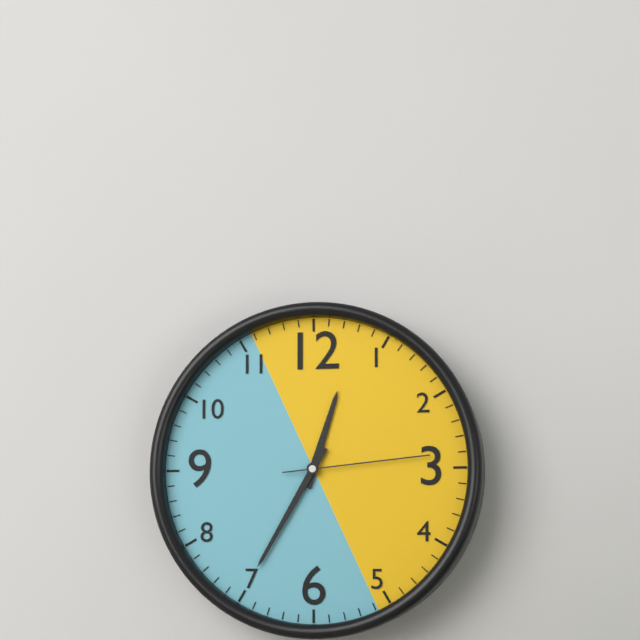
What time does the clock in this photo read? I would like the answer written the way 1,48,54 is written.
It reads 12,35,14
